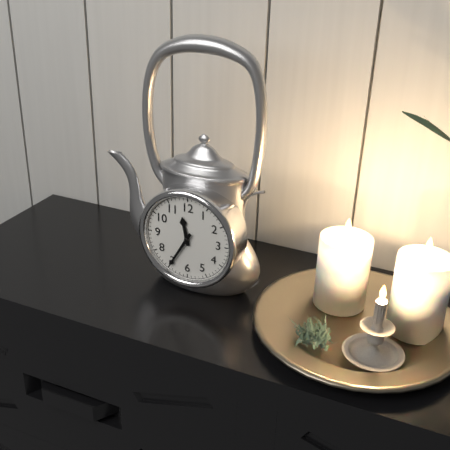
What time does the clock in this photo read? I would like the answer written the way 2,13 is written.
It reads 11,35
